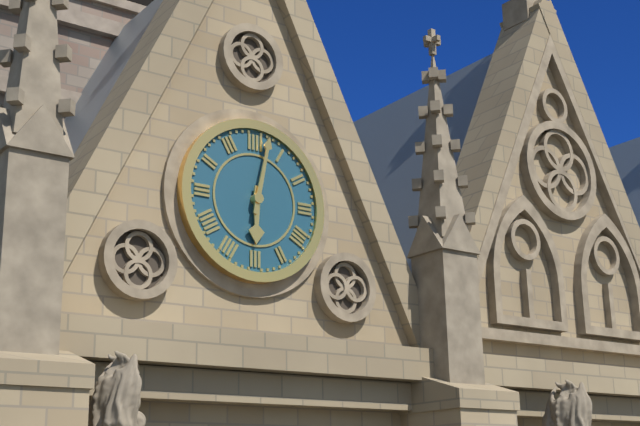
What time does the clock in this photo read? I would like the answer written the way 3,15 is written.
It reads 6,02
